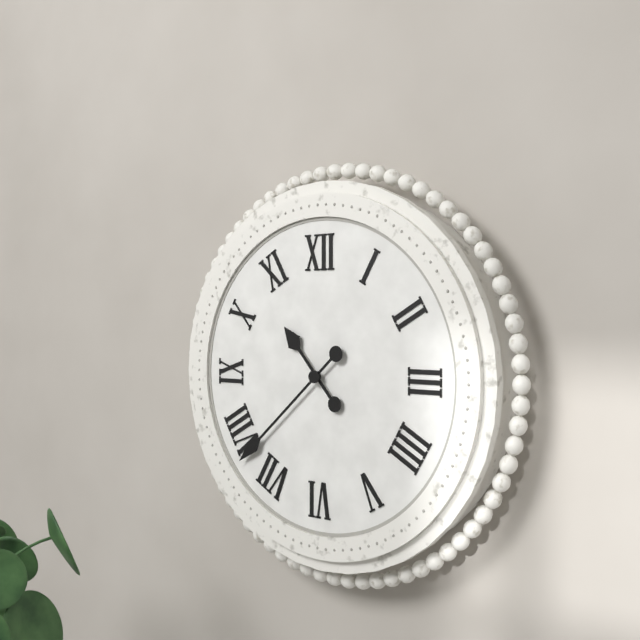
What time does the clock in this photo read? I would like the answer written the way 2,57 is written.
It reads 10,38
